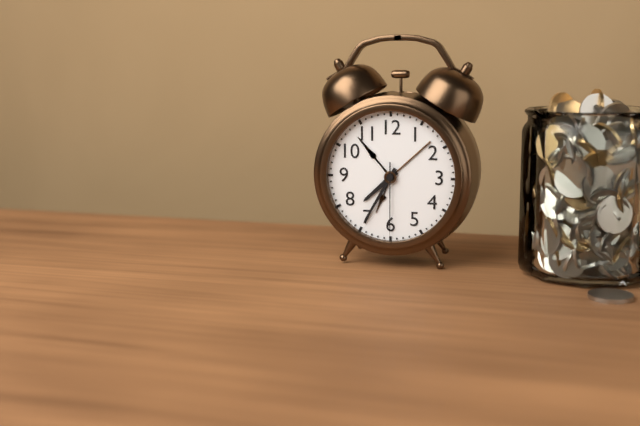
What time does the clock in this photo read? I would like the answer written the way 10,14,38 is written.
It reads 7,35,30
